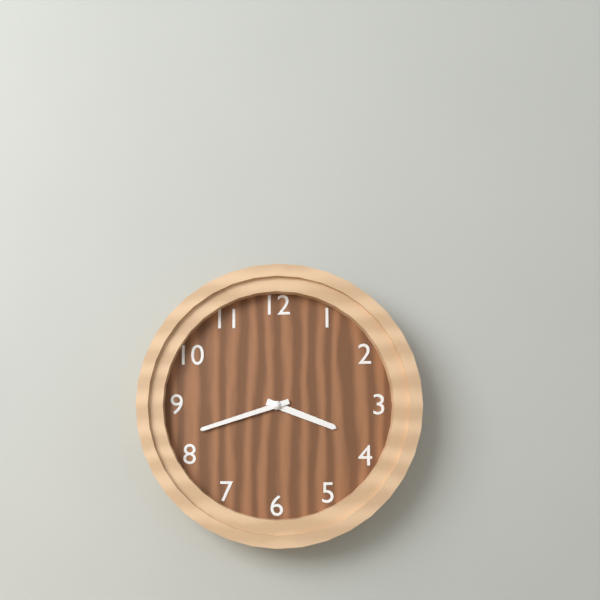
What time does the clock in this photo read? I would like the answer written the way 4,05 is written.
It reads 3,42
